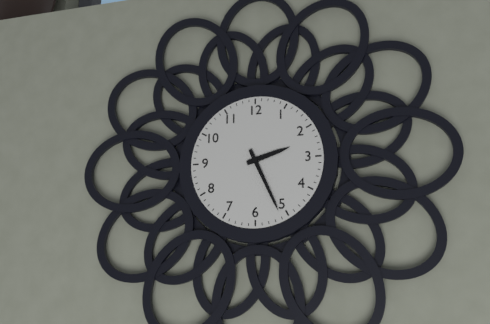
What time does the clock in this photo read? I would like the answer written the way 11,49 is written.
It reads 2,26
